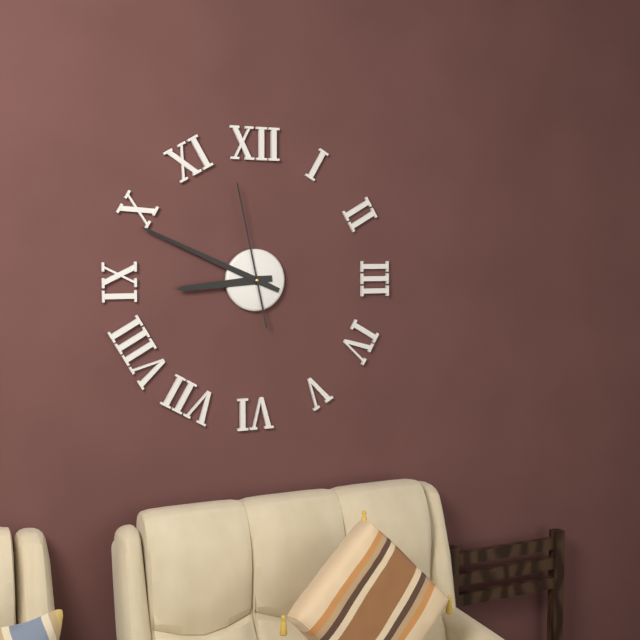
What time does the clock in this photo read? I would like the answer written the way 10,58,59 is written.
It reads 8,49,58
